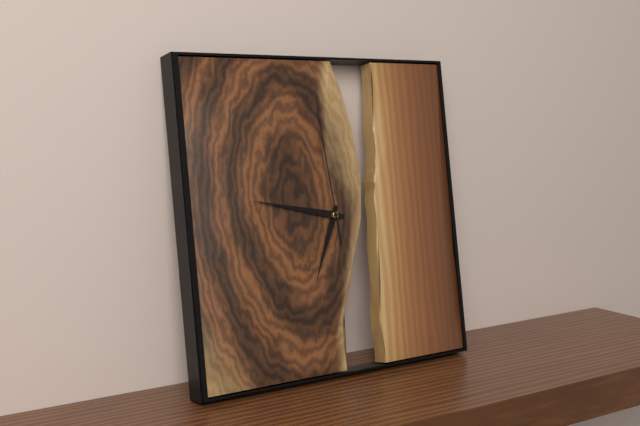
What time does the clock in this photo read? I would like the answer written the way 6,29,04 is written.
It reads 6,47,59
